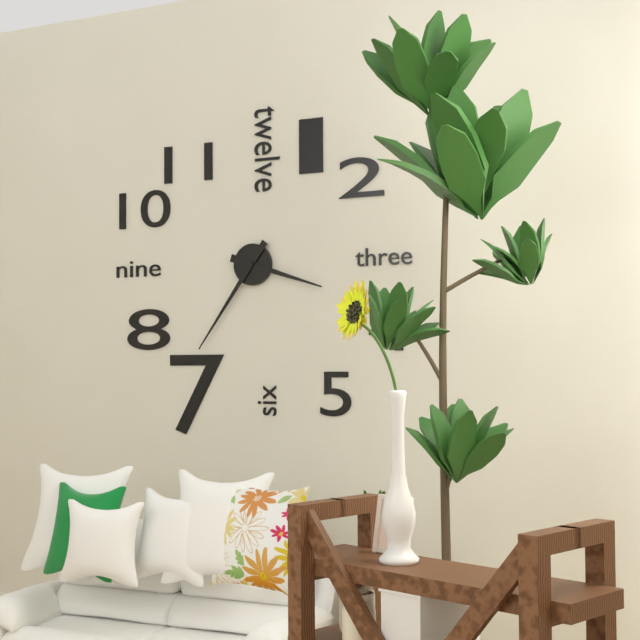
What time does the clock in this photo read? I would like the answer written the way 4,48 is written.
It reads 3,36
